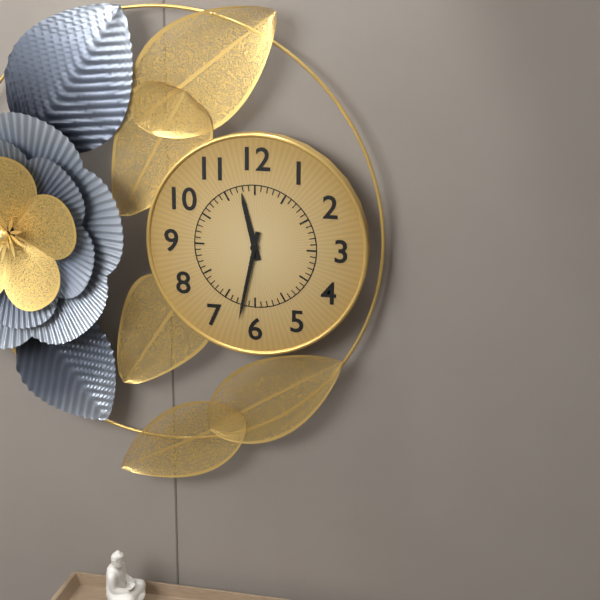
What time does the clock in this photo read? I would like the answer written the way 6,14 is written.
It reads 11,32
